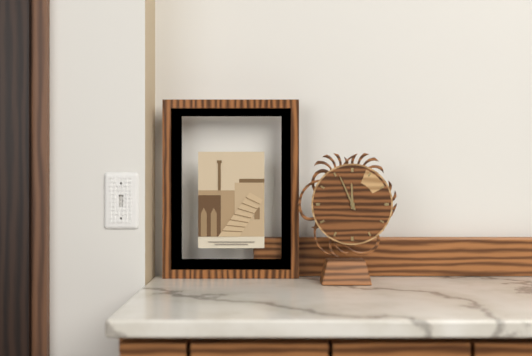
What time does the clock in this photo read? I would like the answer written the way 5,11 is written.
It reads 11,56
